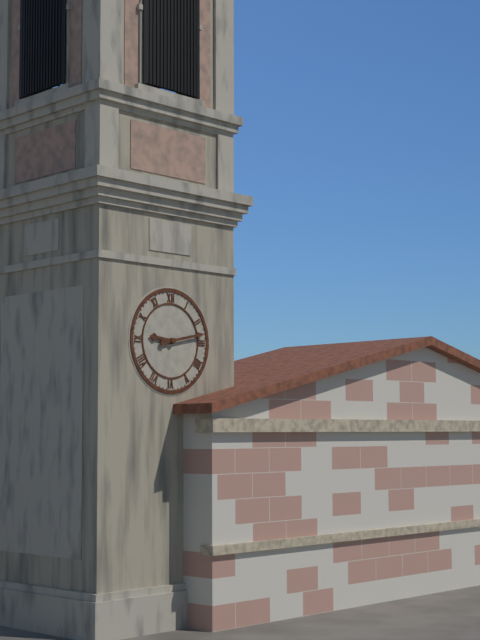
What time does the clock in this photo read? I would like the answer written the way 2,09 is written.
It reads 9,13
